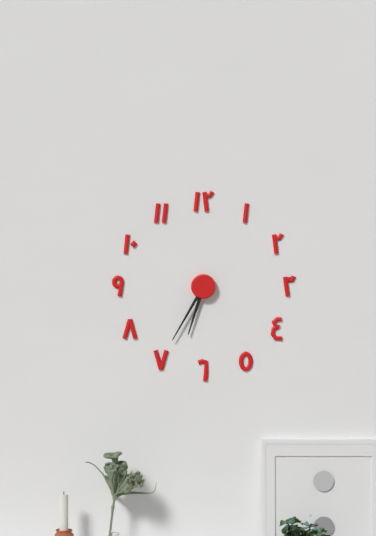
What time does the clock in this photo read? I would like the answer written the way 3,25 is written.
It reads 6,35
